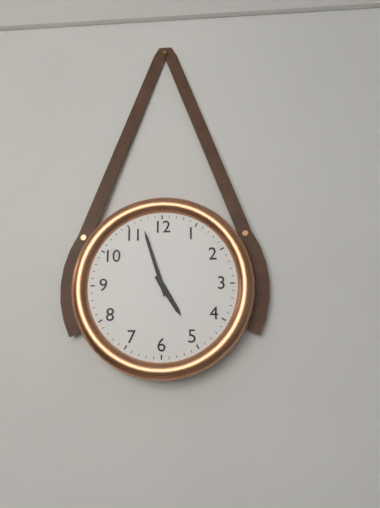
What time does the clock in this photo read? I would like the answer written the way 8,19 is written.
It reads 4,57
